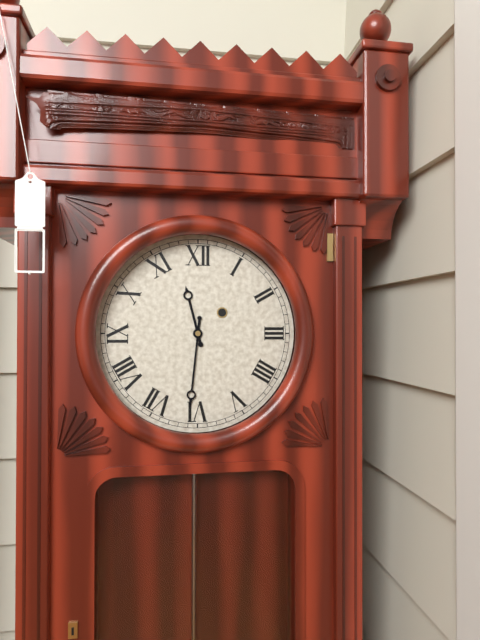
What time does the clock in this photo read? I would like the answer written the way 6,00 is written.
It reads 11,31
